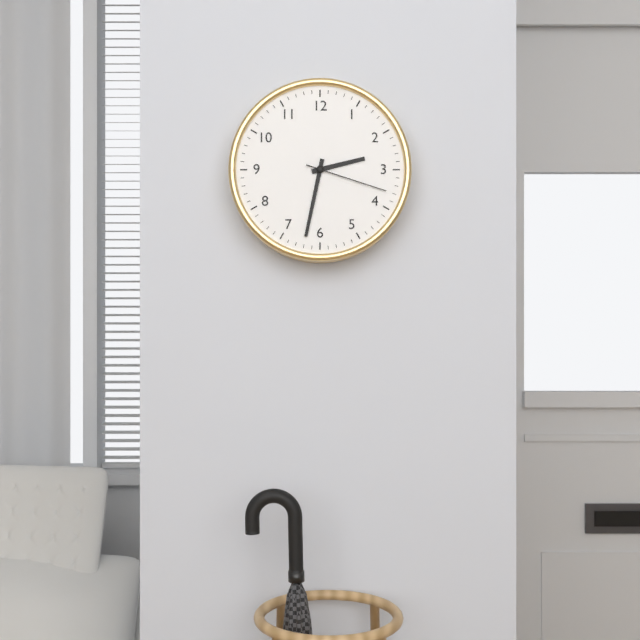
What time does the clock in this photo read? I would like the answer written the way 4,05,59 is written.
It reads 2,32,18
